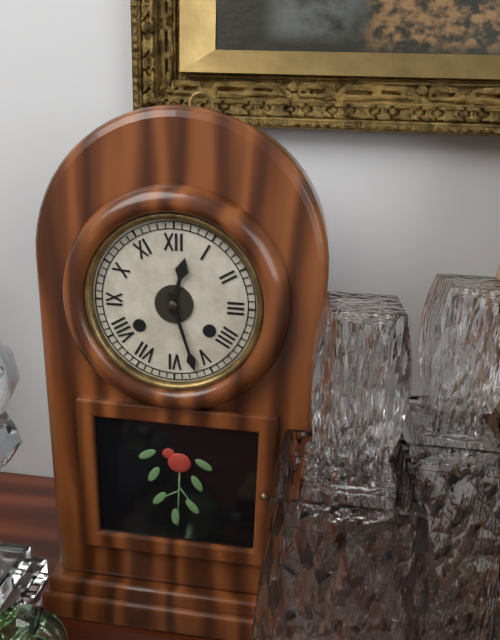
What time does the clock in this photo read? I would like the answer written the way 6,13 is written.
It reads 12,27
